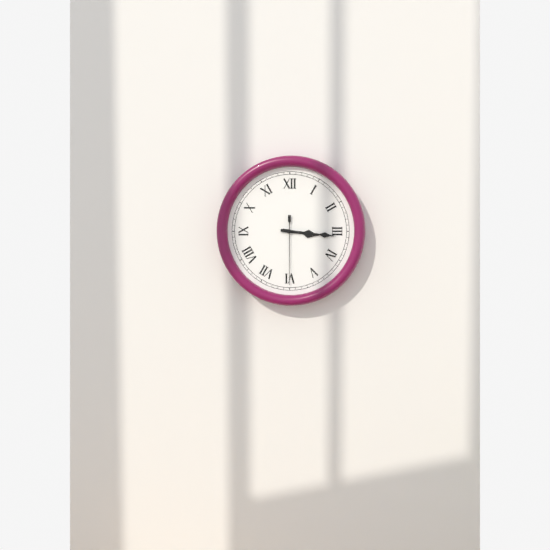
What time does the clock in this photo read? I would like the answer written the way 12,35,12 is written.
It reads 3,16,30
